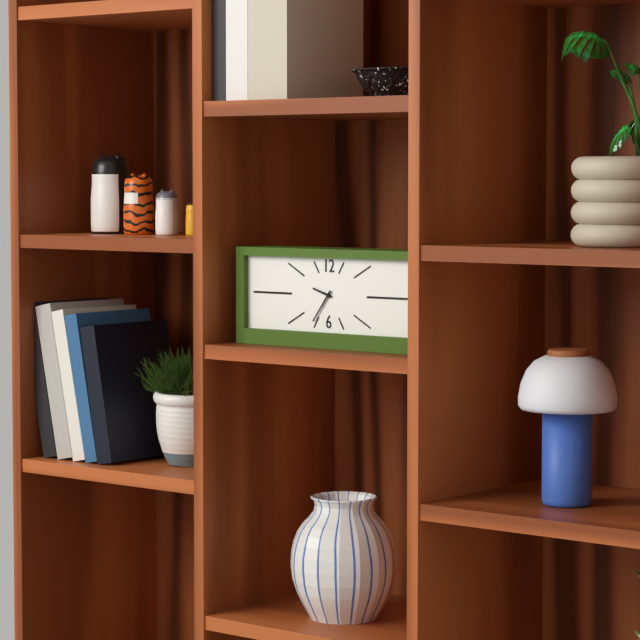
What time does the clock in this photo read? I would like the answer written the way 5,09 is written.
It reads 9,36
